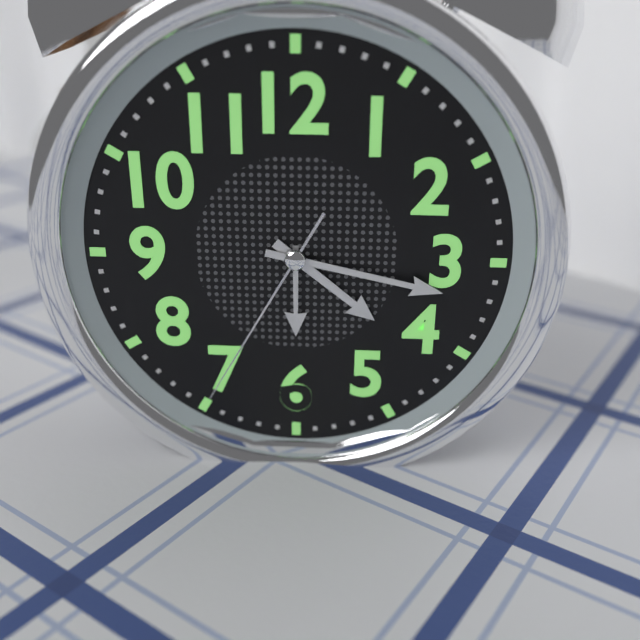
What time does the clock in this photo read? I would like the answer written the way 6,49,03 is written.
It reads 4,17,35
